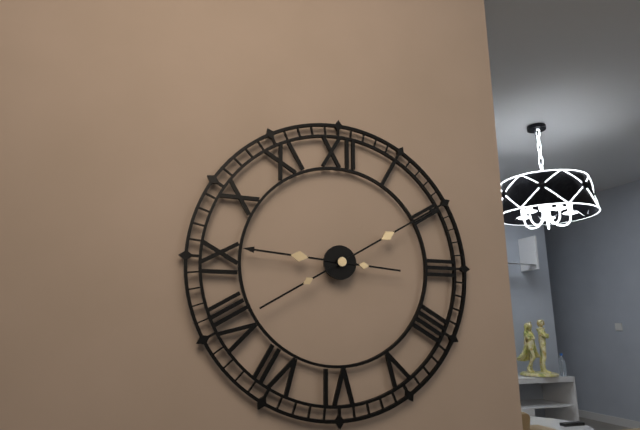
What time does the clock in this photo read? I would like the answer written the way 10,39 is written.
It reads 9,10
